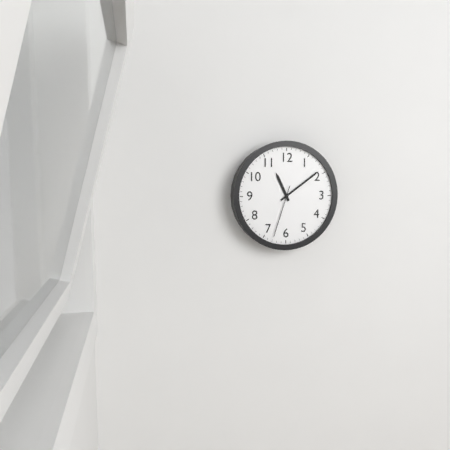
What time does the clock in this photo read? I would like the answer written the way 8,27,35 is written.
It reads 11,09,33
